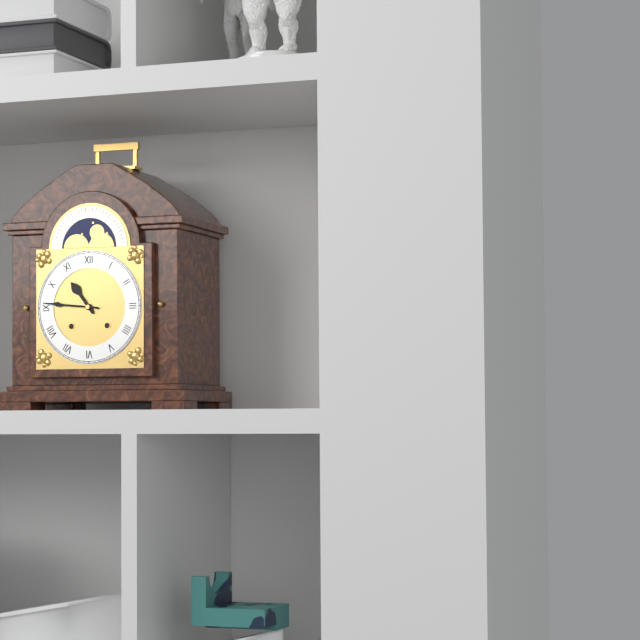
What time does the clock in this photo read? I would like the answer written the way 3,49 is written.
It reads 10,46
